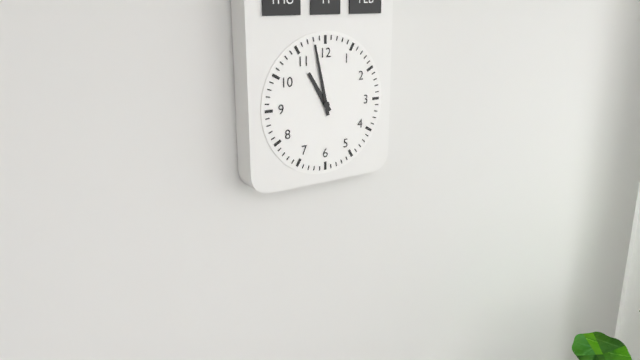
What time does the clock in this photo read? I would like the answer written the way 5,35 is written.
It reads 10,58
